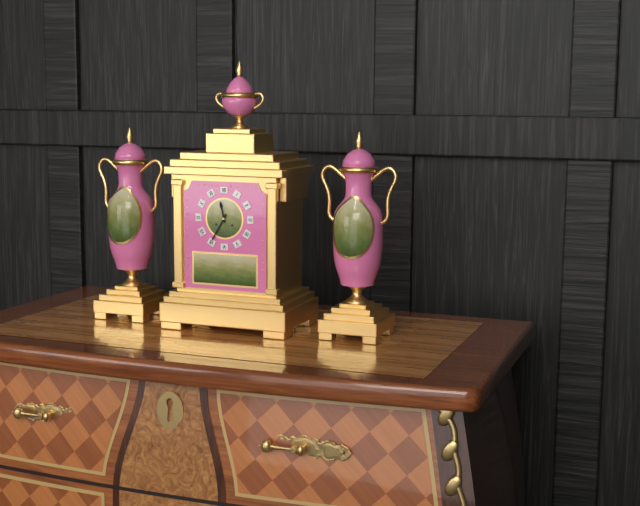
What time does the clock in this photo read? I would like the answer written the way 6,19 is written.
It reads 11,35
